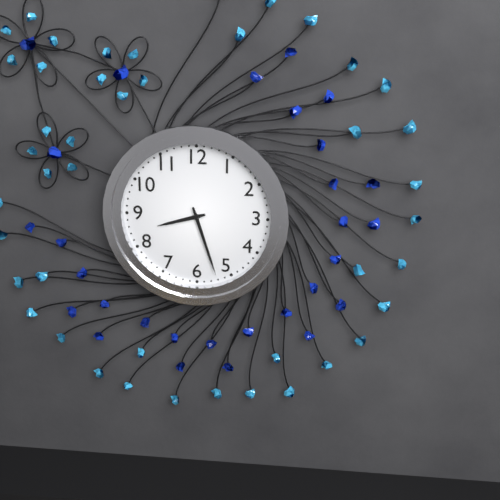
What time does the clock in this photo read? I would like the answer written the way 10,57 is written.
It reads 8,27
